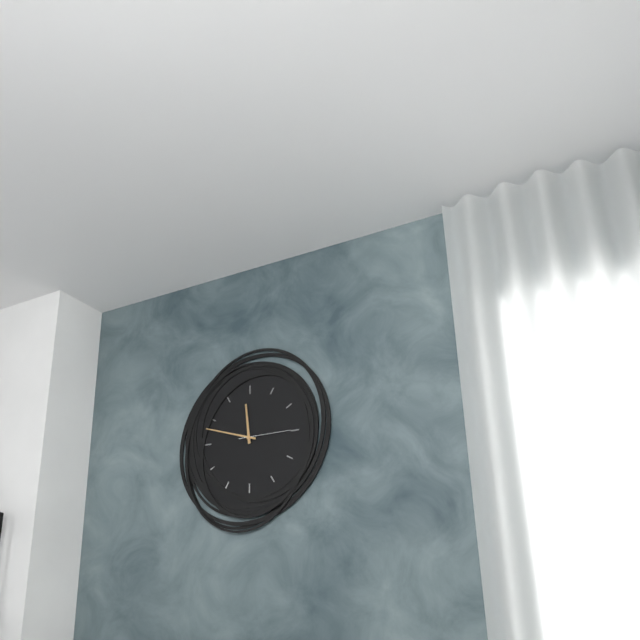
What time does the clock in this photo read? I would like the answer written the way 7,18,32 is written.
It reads 11,48,15
